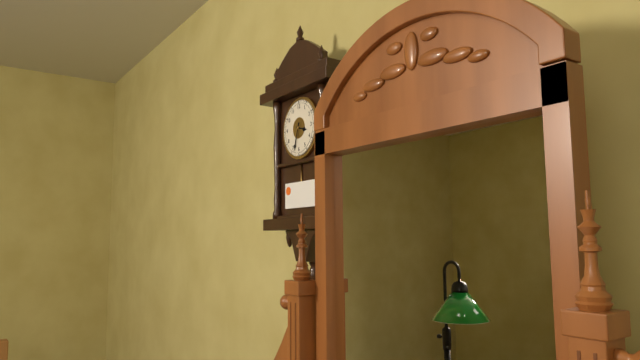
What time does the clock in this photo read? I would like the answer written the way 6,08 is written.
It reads 3,33
